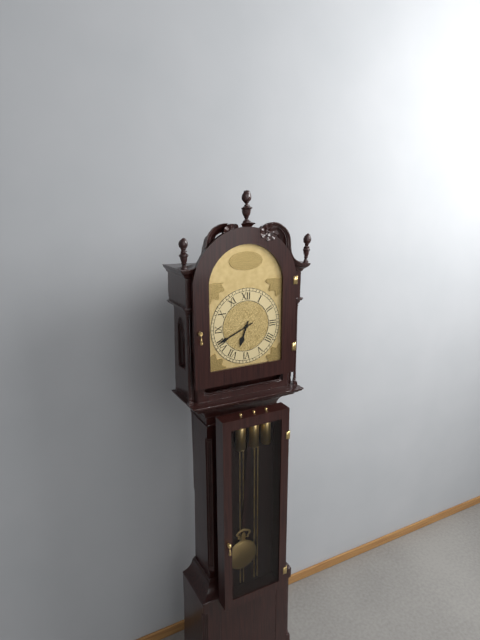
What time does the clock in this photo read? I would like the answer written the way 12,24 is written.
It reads 6,41
